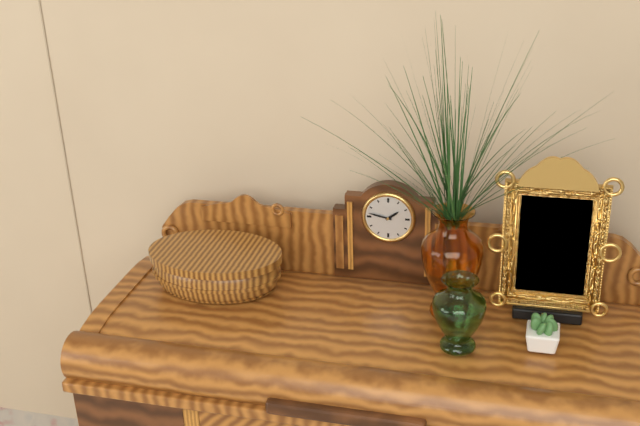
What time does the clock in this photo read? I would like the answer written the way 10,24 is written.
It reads 1,47
